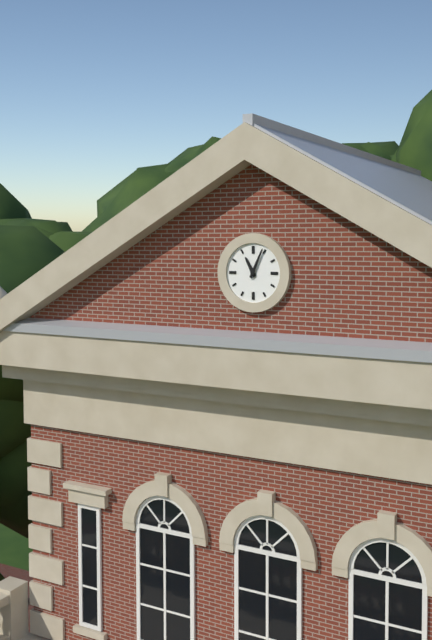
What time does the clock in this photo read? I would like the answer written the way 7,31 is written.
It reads 11,04
